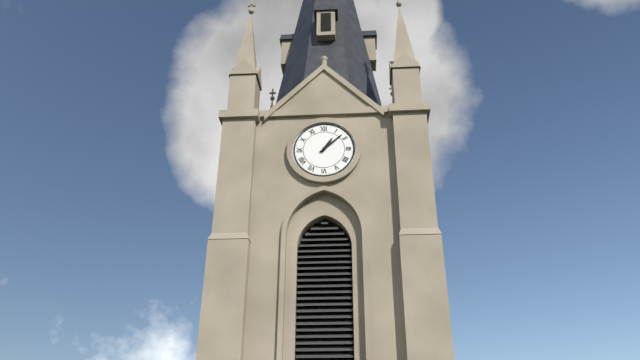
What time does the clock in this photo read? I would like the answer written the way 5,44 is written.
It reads 1,08
